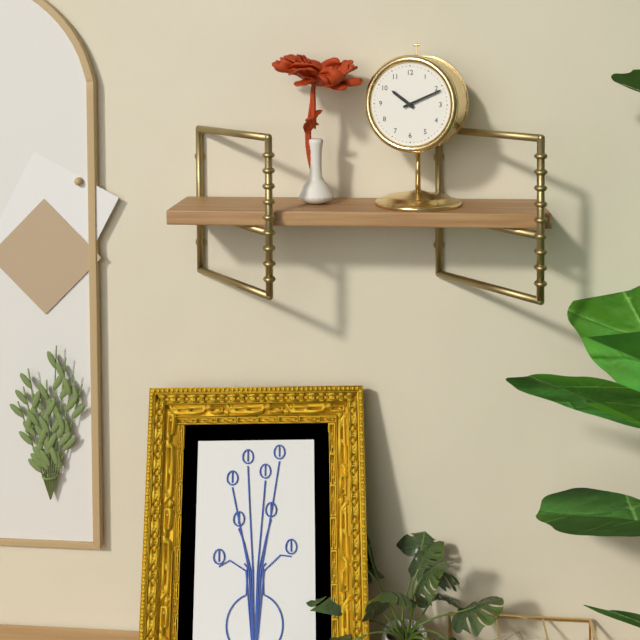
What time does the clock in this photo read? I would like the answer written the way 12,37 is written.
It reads 10,11
